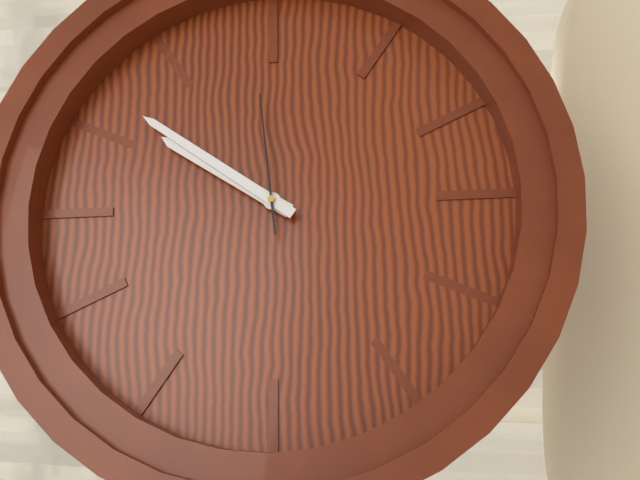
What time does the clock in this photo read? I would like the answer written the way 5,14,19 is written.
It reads 1,06,14
